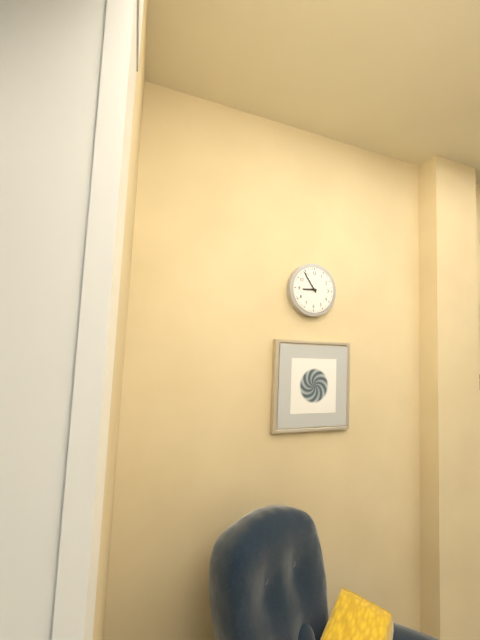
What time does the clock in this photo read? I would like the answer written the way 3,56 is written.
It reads 8,54
